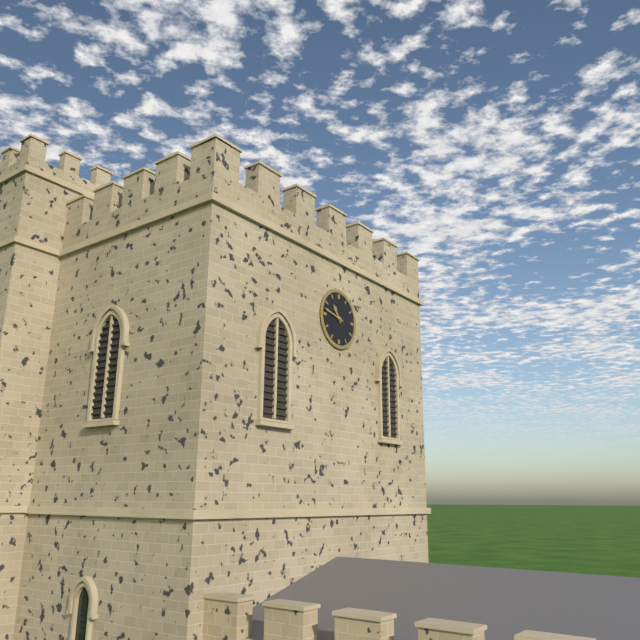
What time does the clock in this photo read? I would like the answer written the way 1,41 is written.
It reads 10,47
